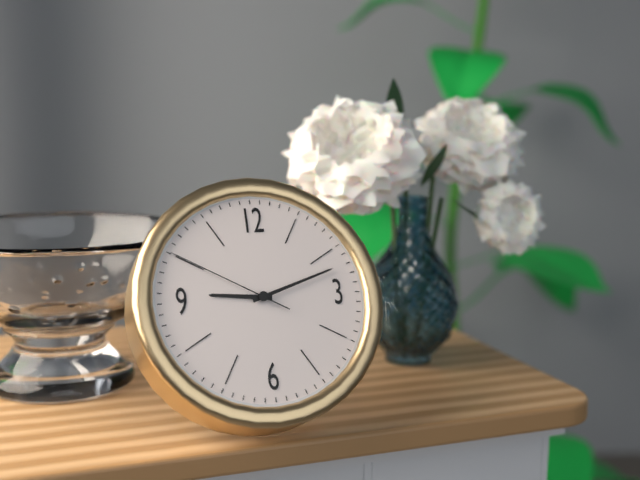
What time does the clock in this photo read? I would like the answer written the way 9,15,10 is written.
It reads 9,12,50
